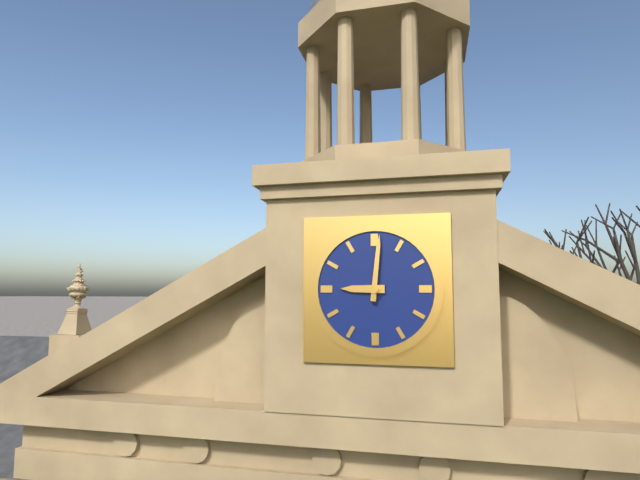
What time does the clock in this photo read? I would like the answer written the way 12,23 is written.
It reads 9,01
